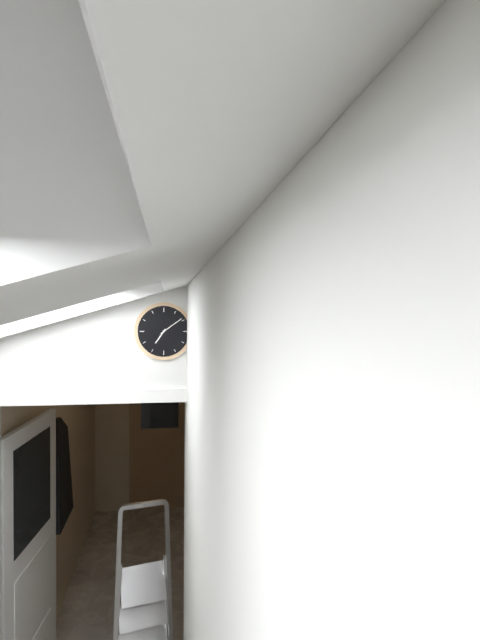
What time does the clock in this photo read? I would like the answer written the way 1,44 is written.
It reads 7,09
